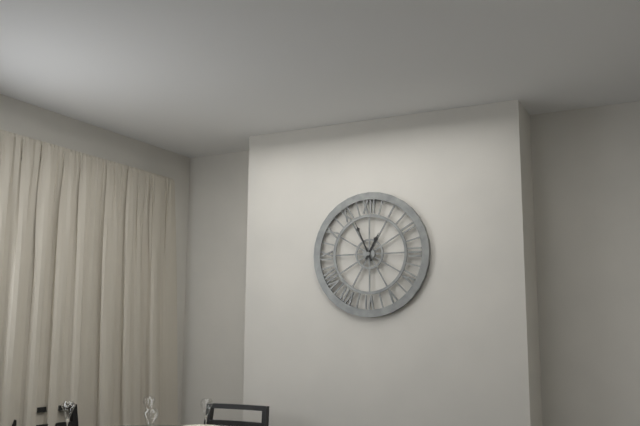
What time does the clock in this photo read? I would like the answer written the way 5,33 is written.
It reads 12,56
